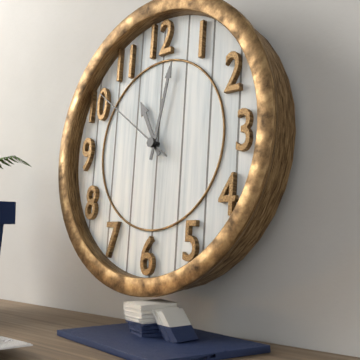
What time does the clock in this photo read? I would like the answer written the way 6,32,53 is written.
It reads 11,02,51
